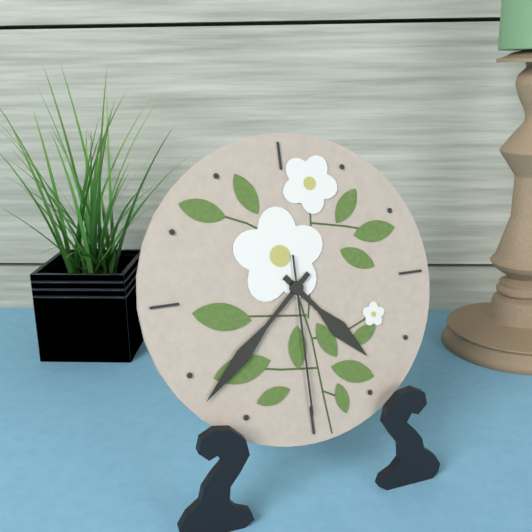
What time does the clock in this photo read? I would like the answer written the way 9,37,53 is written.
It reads 4,38,30
